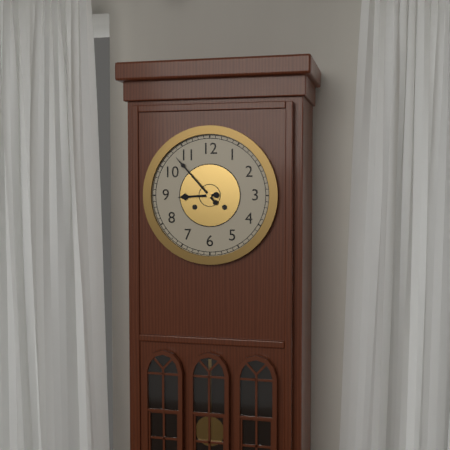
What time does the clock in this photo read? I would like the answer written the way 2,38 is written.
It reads 8,53
